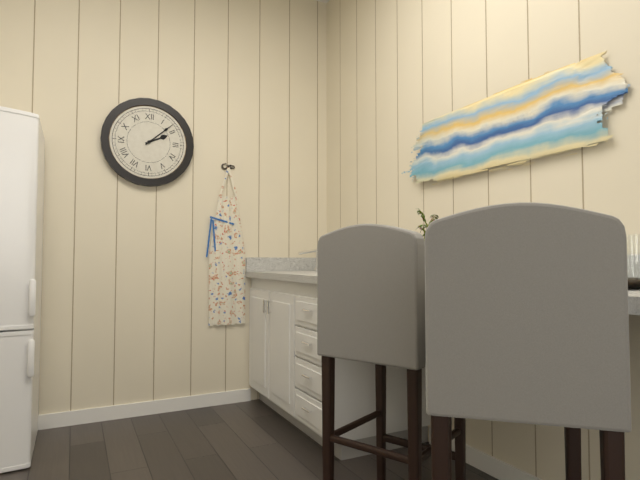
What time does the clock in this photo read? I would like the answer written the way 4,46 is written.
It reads 2,08
